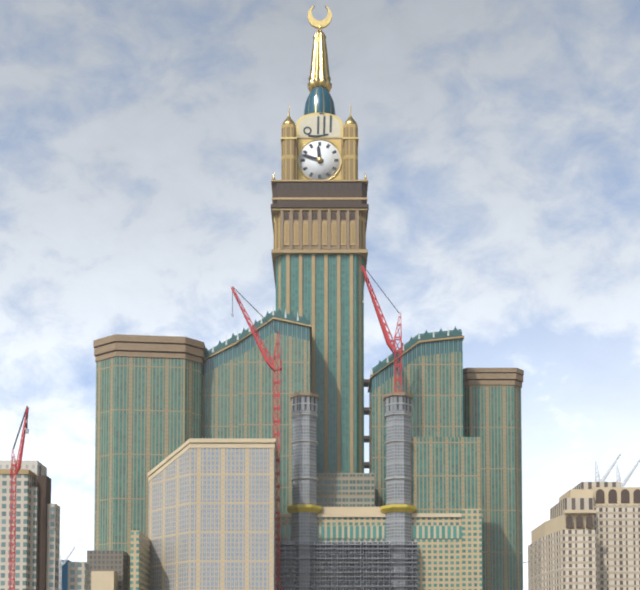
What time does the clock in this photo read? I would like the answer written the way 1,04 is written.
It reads 11,48
